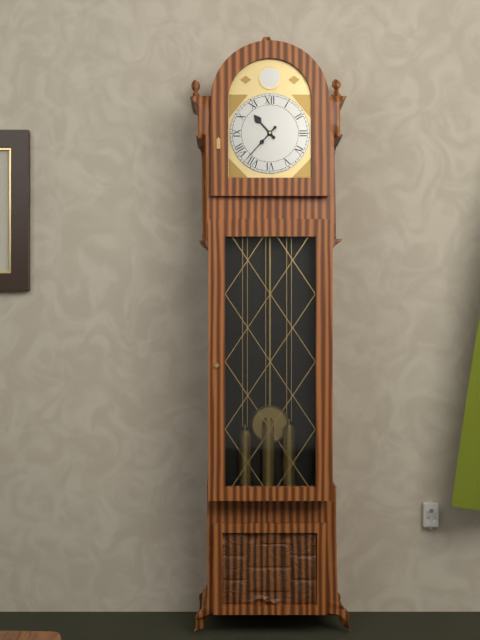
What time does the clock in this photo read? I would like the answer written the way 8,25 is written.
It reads 10,37
